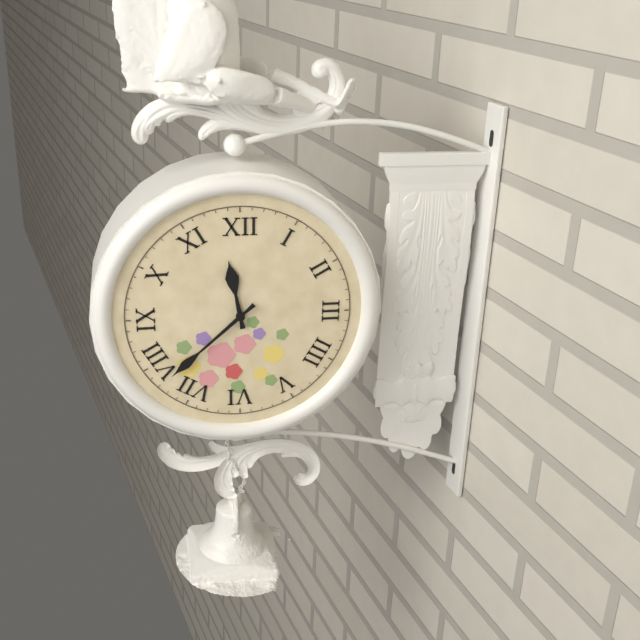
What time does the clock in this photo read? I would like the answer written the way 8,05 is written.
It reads 11,38
